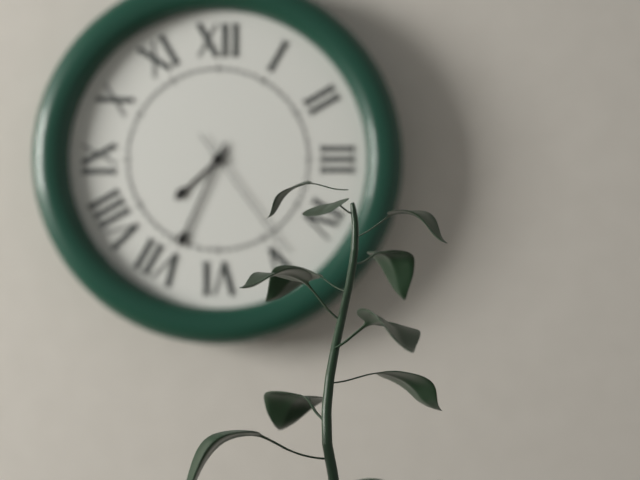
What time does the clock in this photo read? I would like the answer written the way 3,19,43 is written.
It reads 7,34,24
